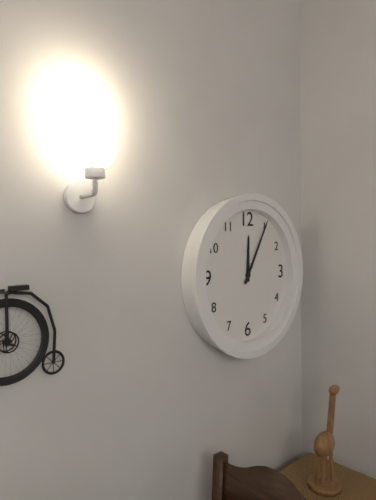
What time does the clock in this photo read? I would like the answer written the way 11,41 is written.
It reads 12,05
